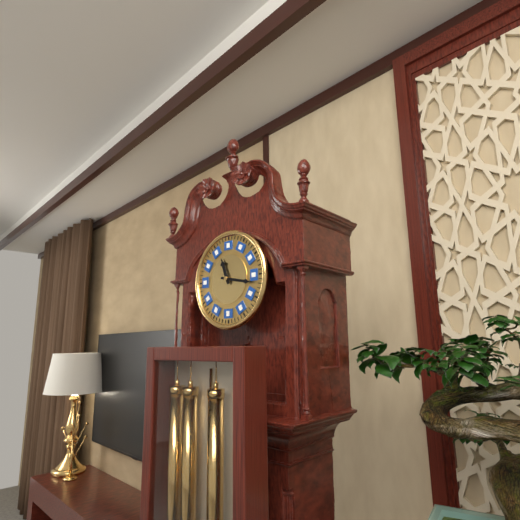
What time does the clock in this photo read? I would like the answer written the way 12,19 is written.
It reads 11,17
